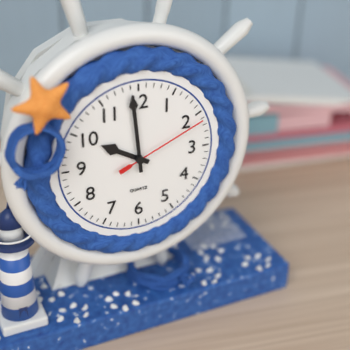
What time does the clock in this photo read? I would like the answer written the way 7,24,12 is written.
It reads 9,59,11
